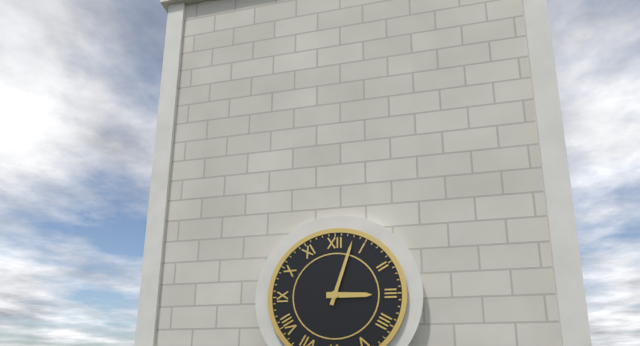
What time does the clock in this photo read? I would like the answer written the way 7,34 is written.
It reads 3,03
